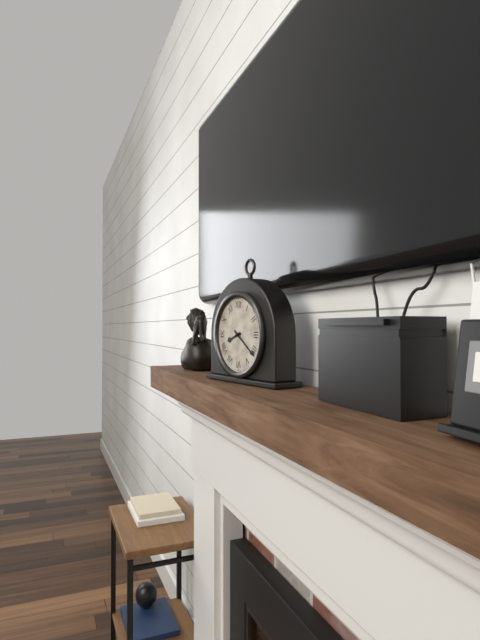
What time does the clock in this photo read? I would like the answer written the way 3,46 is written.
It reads 8,21
